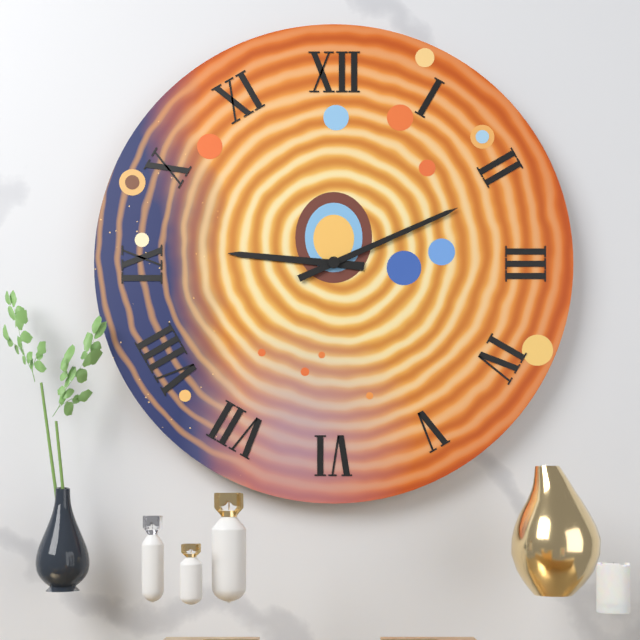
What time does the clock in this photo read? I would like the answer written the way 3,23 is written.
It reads 9,11
